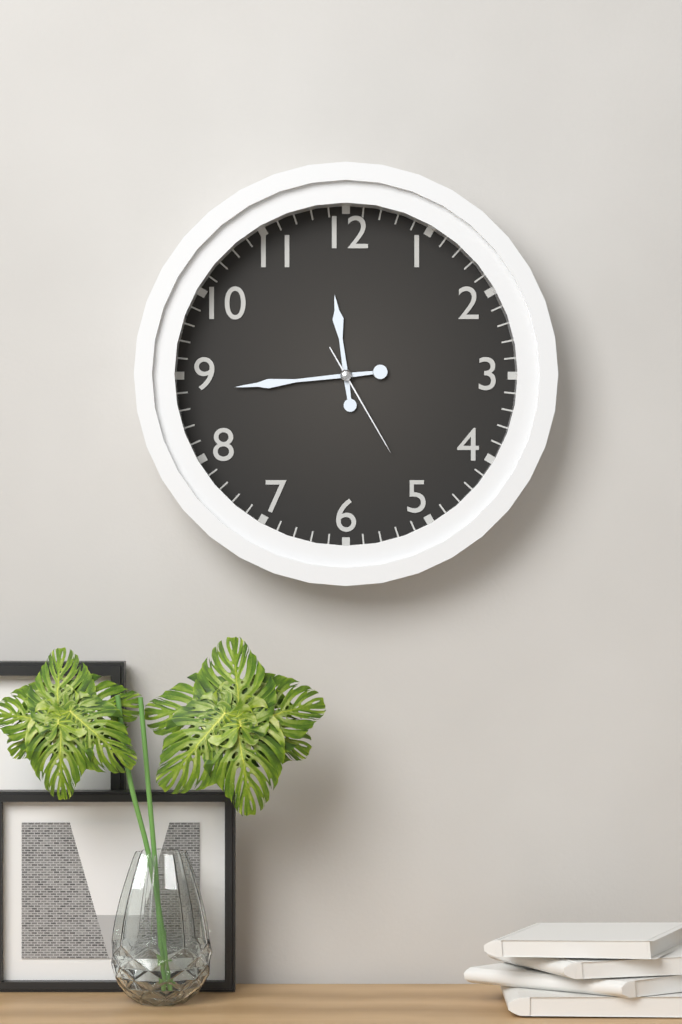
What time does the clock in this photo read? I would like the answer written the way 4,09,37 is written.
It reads 11,44,25
